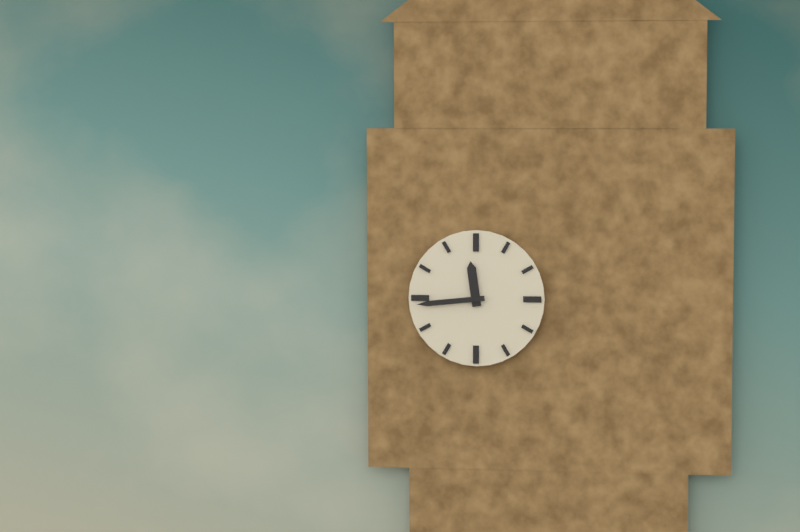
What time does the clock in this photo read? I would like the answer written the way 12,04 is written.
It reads 11,44
